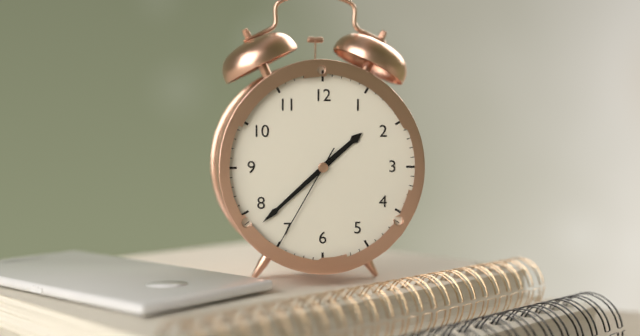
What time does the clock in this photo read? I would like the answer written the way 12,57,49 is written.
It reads 1,38,35
